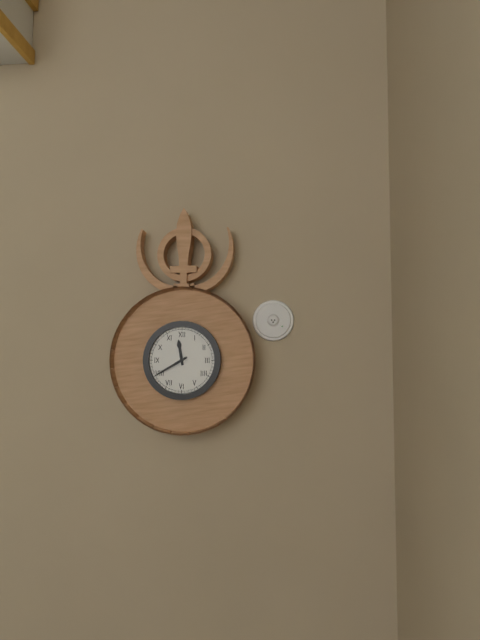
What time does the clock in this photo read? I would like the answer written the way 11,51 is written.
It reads 11,40
